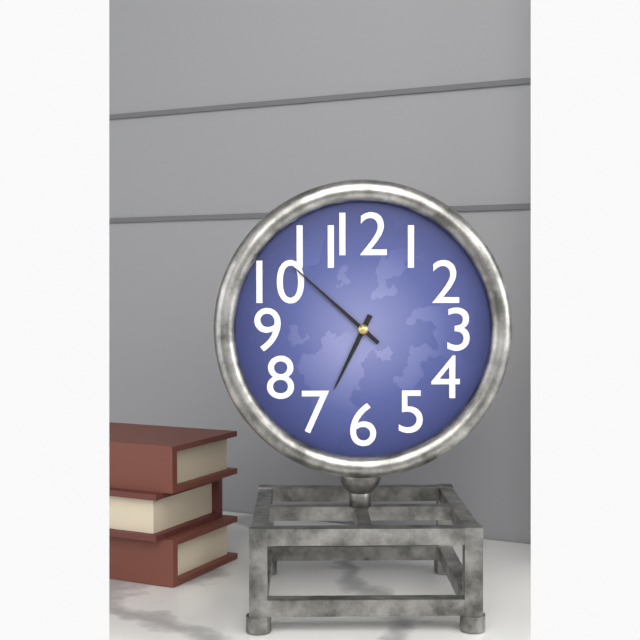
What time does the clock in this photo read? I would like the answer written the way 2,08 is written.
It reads 6,52
